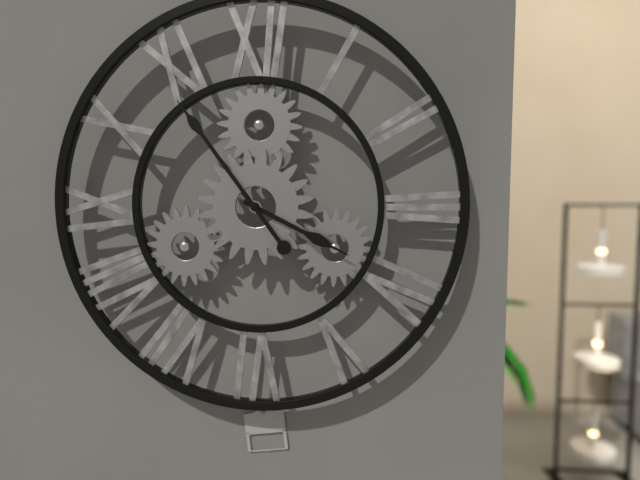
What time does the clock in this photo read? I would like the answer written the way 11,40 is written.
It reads 3,54
